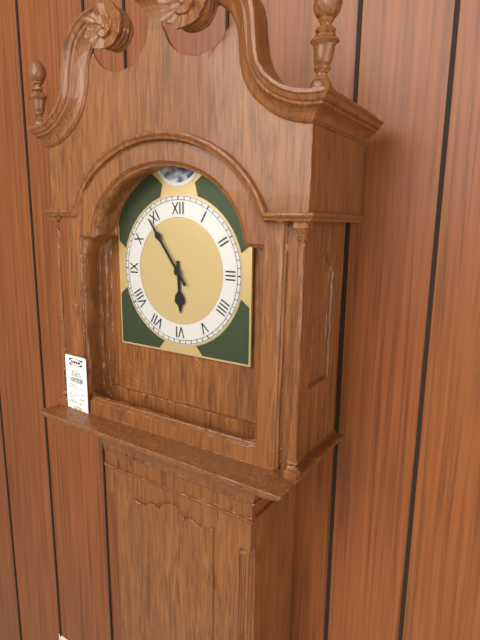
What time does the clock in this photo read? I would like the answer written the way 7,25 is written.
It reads 5,54
